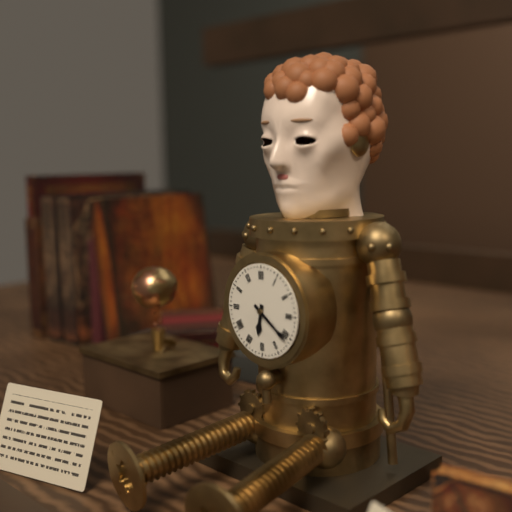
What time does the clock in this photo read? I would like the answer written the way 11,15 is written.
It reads 6,21
